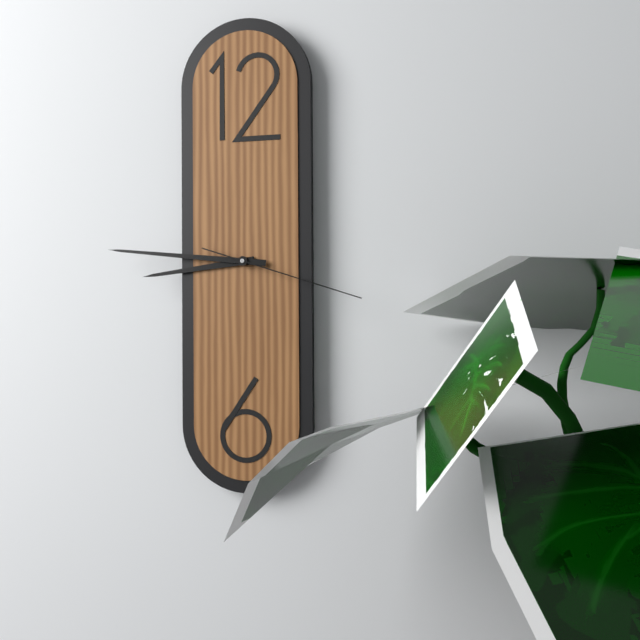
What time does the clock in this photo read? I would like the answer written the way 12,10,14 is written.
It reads 8,46,18
